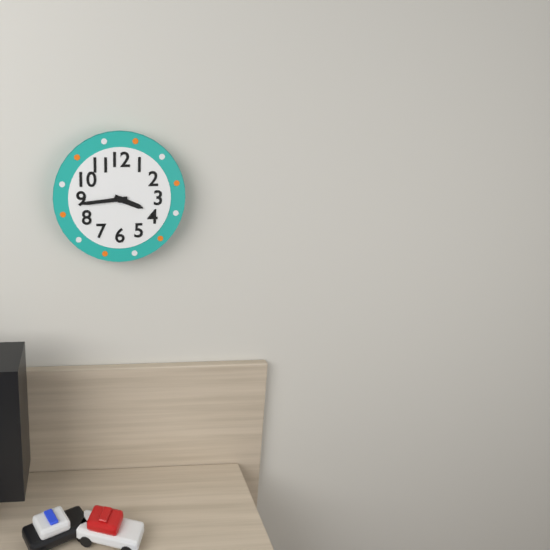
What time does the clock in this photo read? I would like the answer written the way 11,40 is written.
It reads 3,44
